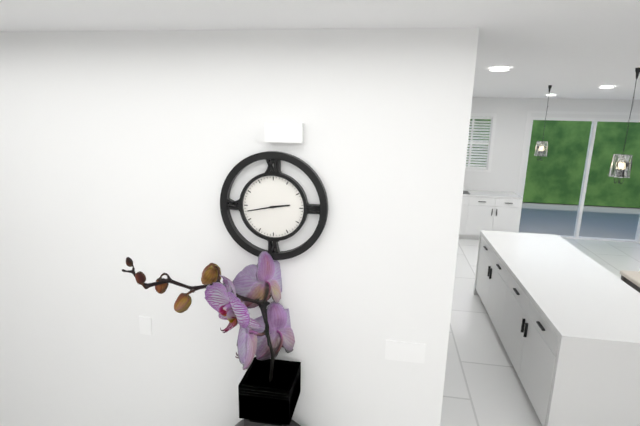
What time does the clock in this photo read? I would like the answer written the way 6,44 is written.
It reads 2,43
